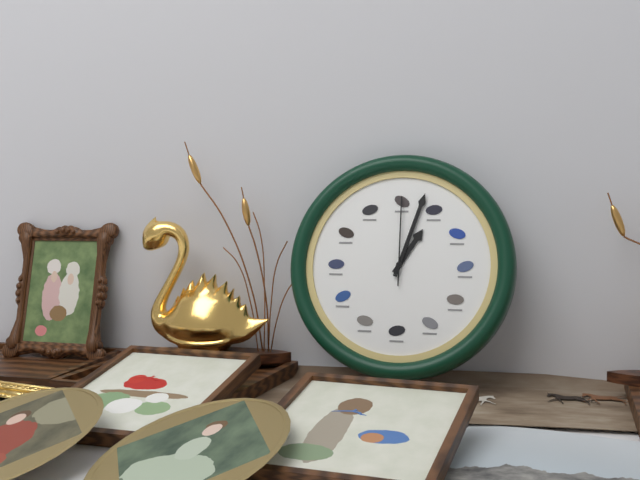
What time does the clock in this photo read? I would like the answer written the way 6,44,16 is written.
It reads 1,03,00
